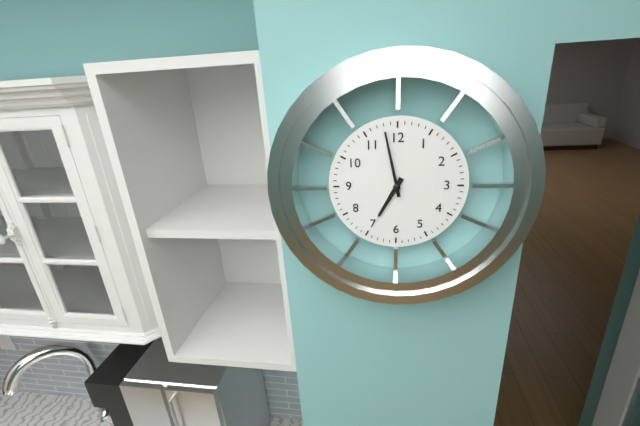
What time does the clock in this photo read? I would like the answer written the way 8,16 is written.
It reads 6,58
